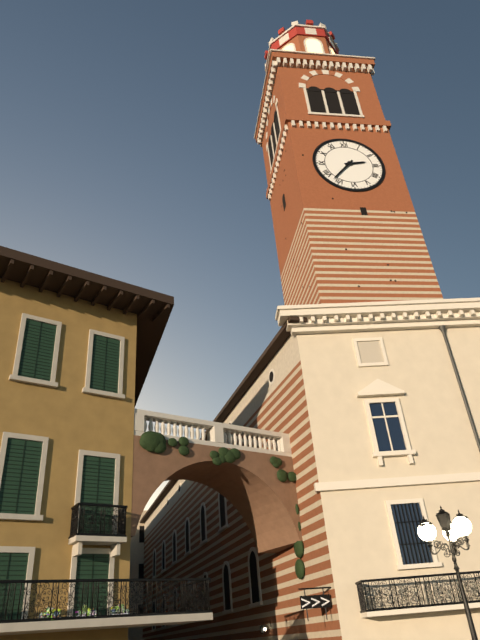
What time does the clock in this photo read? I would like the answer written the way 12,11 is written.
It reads 2,37
